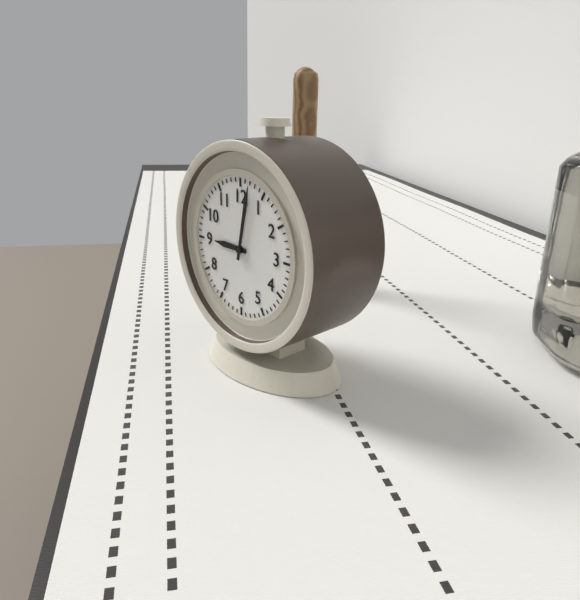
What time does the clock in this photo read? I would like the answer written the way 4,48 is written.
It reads 9,02
